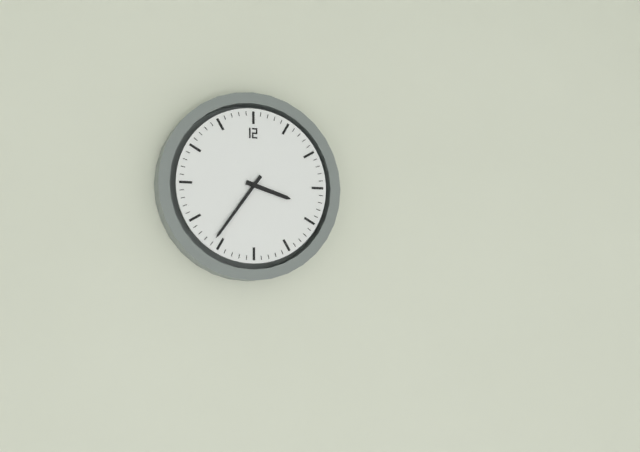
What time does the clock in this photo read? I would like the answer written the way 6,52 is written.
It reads 3,36
